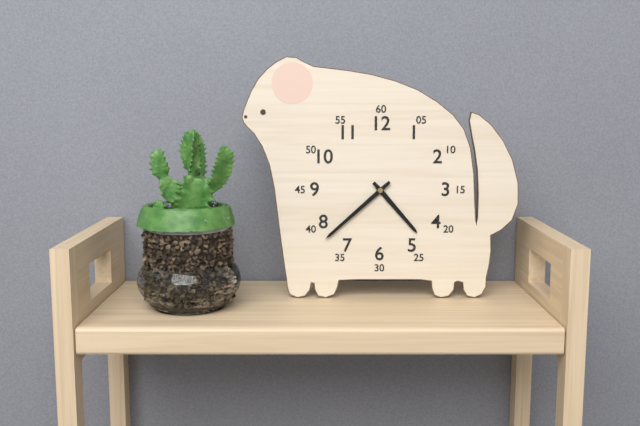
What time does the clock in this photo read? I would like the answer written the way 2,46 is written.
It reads 4,38
